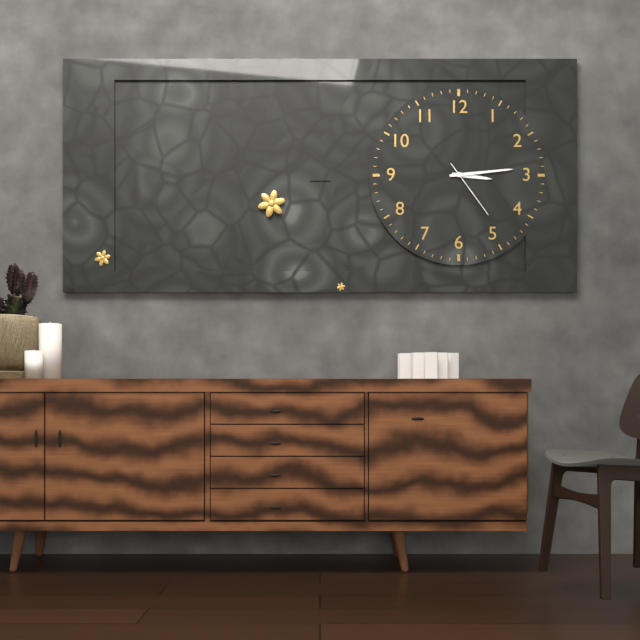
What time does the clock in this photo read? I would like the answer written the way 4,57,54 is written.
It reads 3,14,24
